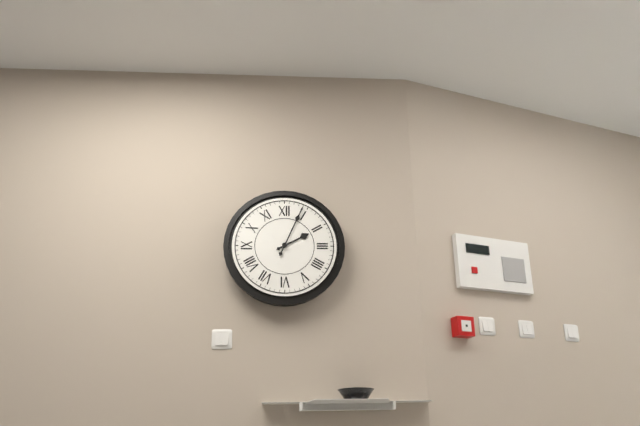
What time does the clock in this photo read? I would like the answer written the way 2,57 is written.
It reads 2,04
